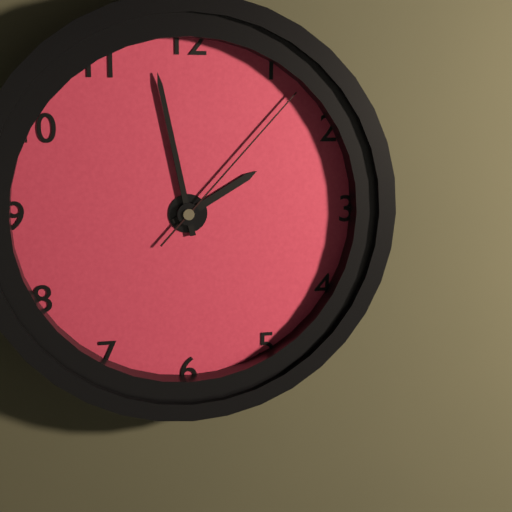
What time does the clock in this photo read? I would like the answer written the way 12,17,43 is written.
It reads 1,58,07
